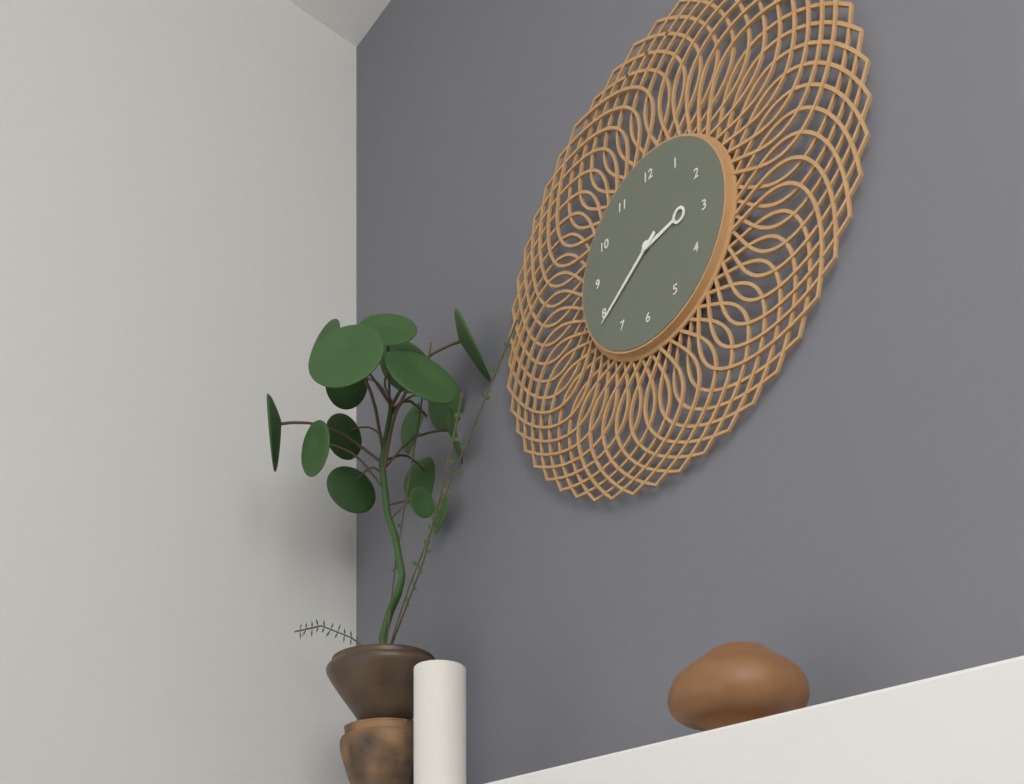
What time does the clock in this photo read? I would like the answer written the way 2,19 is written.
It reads 2,39
